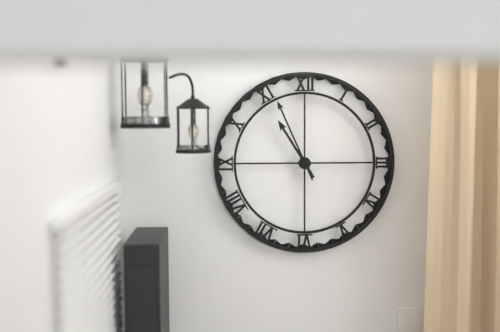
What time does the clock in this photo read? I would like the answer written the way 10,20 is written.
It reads 10,56
